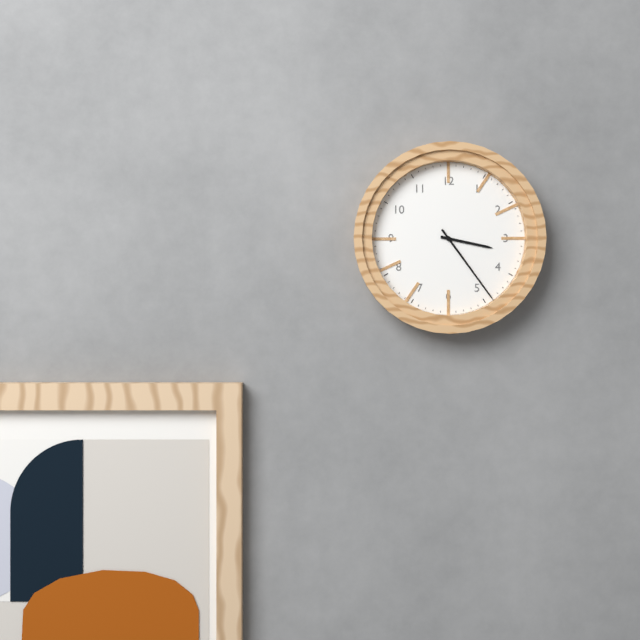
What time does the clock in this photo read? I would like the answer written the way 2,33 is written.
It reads 3,24
